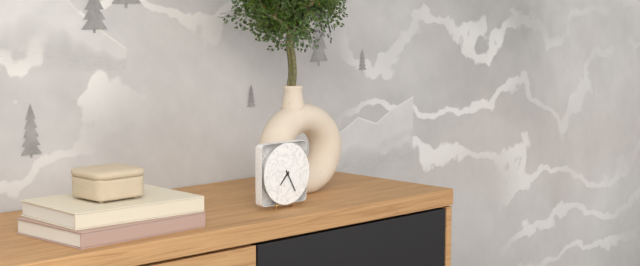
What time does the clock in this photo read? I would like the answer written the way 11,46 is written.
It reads 7,25
